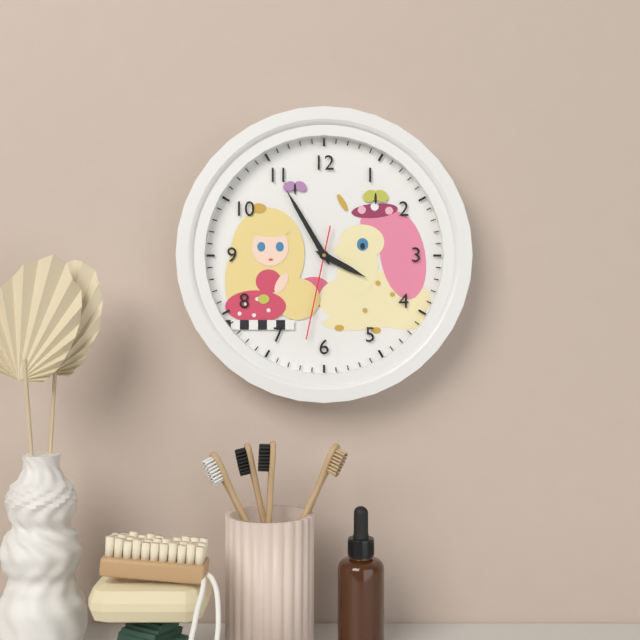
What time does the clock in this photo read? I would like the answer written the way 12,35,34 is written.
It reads 3,55,32
